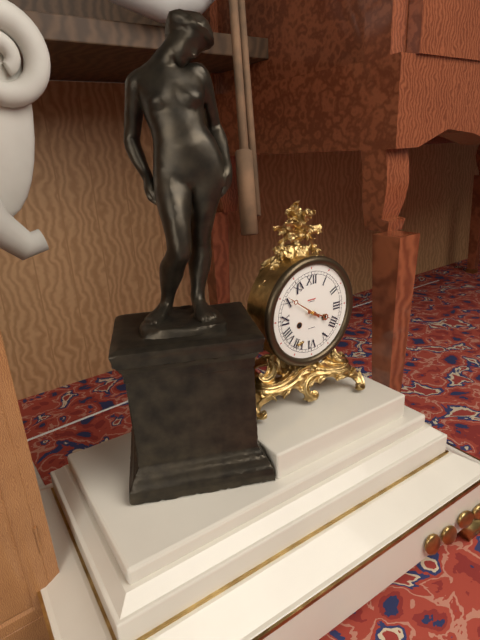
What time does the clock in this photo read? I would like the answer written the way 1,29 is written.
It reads 3,51
